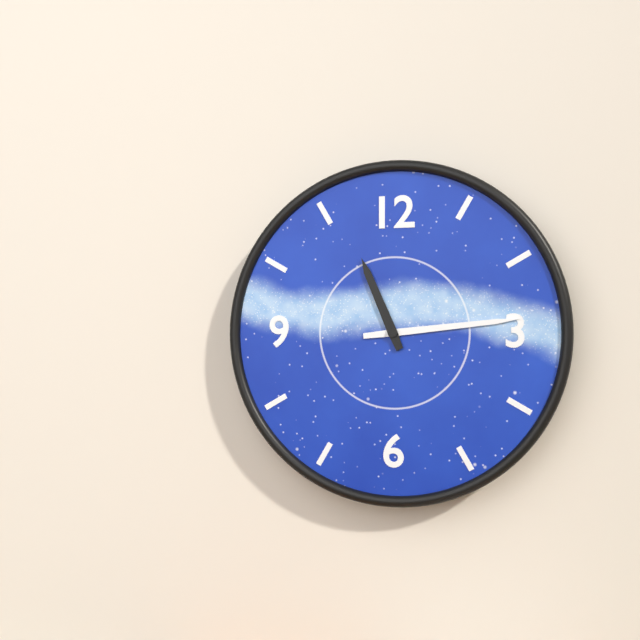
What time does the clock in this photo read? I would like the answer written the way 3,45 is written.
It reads 11,14
